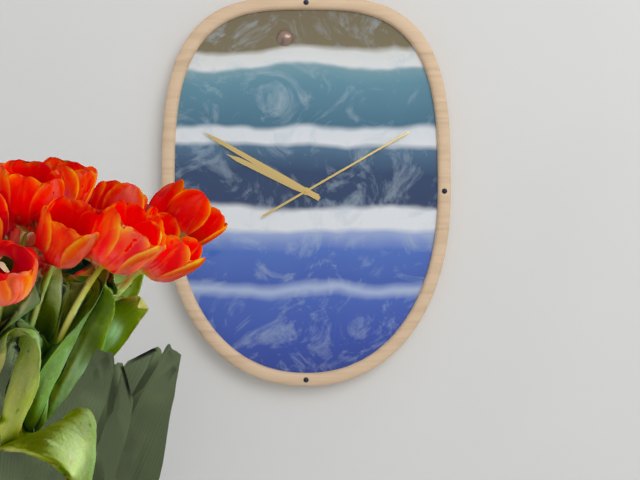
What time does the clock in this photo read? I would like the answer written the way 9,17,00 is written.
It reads 9,50,10
